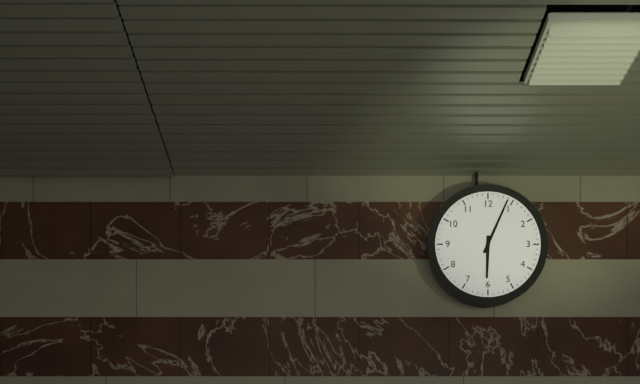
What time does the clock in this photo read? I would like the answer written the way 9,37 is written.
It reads 6,04
